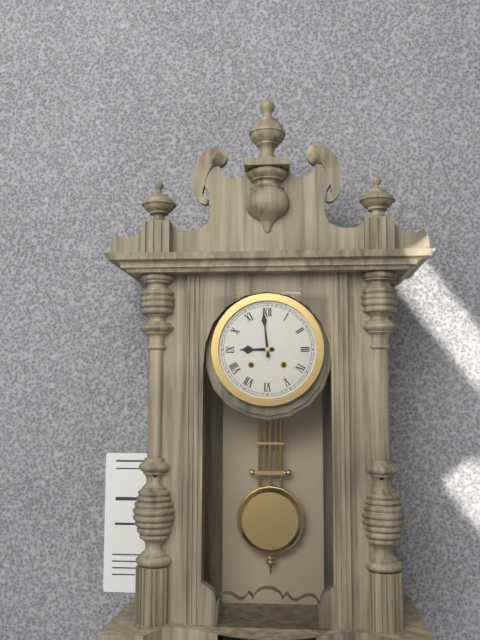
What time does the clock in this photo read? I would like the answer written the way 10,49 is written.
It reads 8,59
